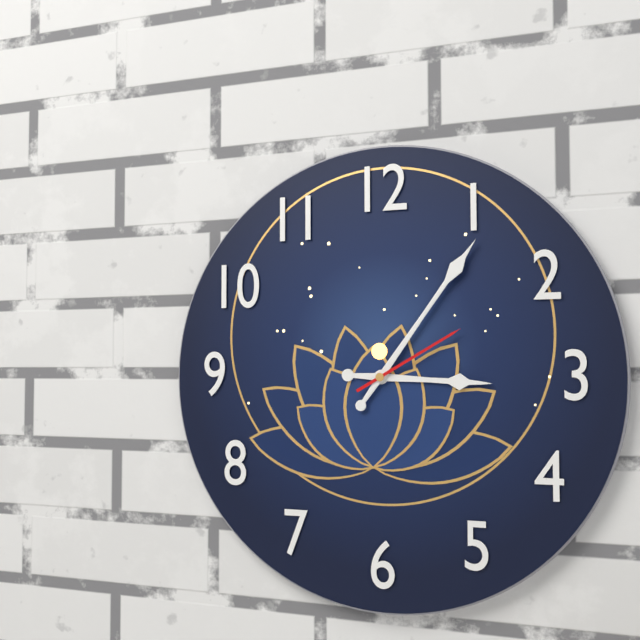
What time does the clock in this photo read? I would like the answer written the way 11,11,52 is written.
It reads 3,06,10
